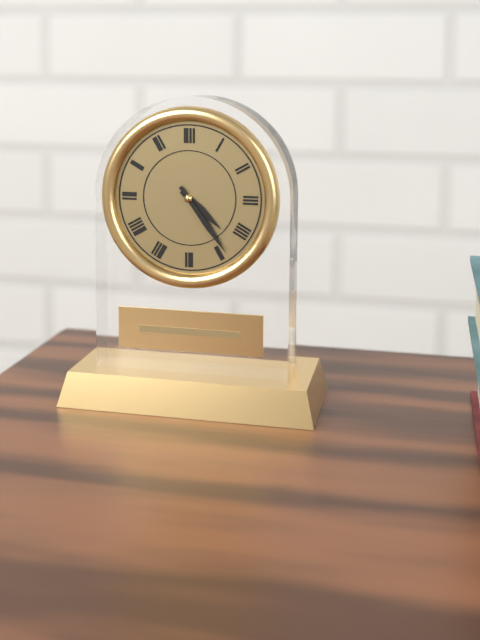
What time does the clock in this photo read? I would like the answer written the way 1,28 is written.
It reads 4,24
